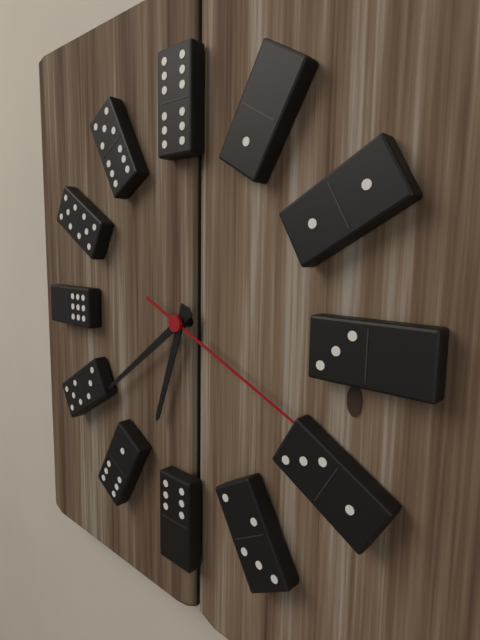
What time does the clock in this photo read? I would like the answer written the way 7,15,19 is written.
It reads 6,39,19
